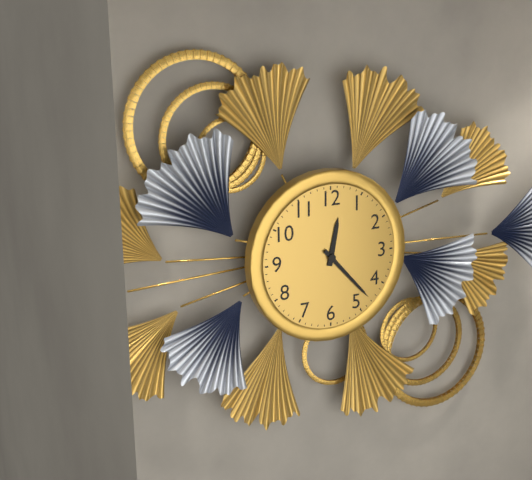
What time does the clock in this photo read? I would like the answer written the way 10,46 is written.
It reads 12,23
